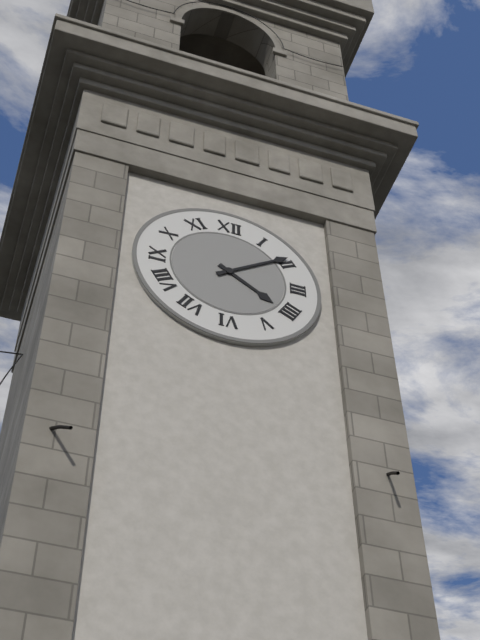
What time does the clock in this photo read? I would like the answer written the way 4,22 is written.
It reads 4,09
